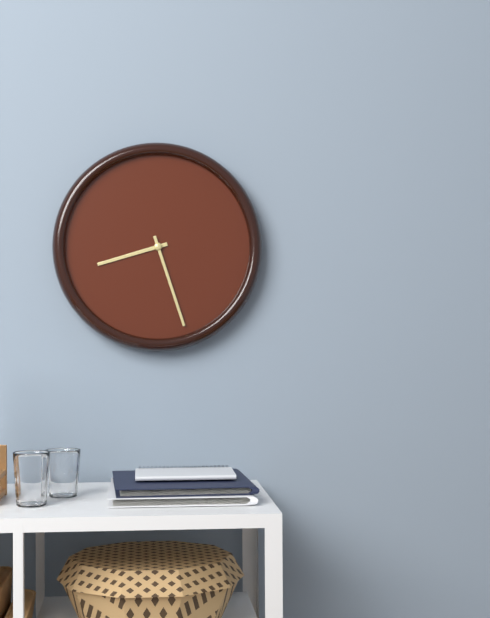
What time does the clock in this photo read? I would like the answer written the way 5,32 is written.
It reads 8,27
